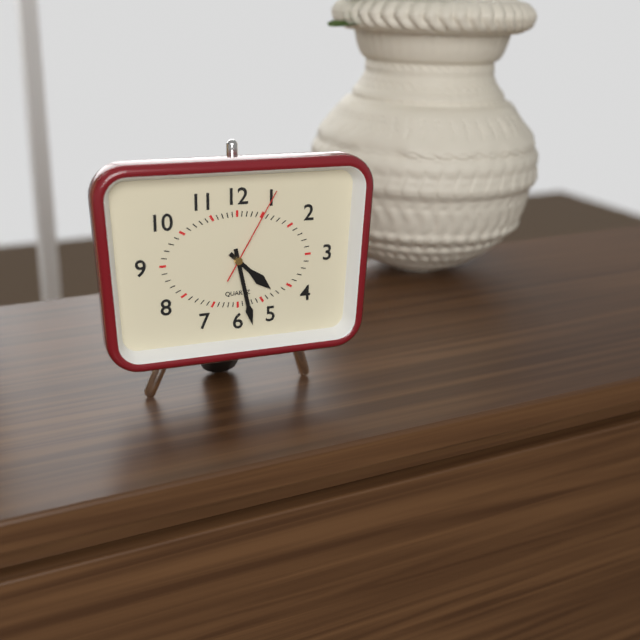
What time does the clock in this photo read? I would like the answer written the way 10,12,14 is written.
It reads 4,28,05
